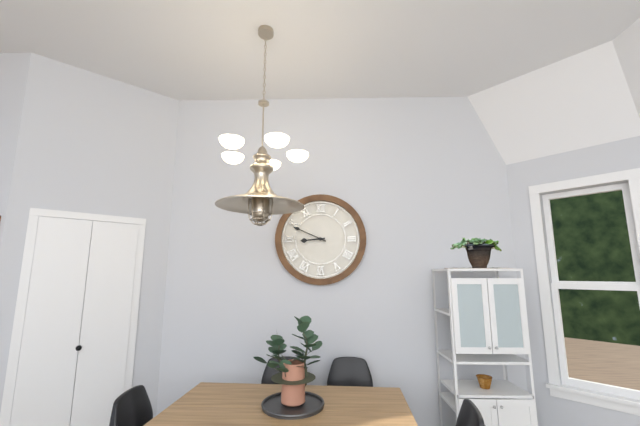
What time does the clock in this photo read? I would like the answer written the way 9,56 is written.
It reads 8,49
